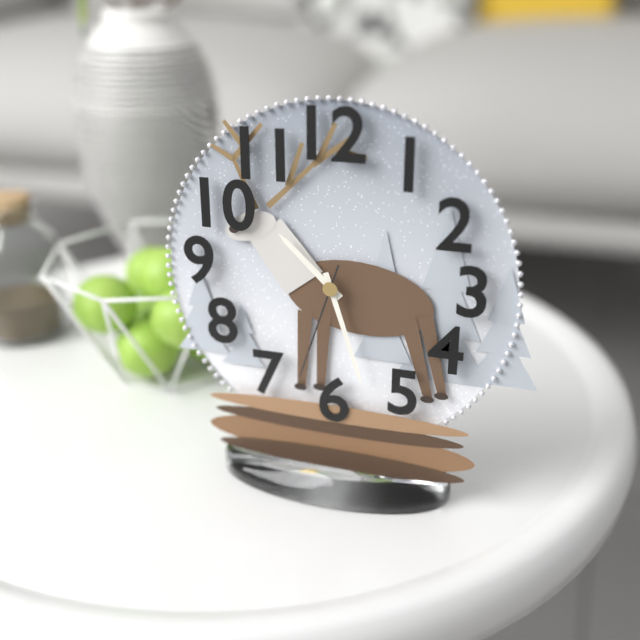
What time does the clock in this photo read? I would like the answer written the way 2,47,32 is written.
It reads 10,27,33
